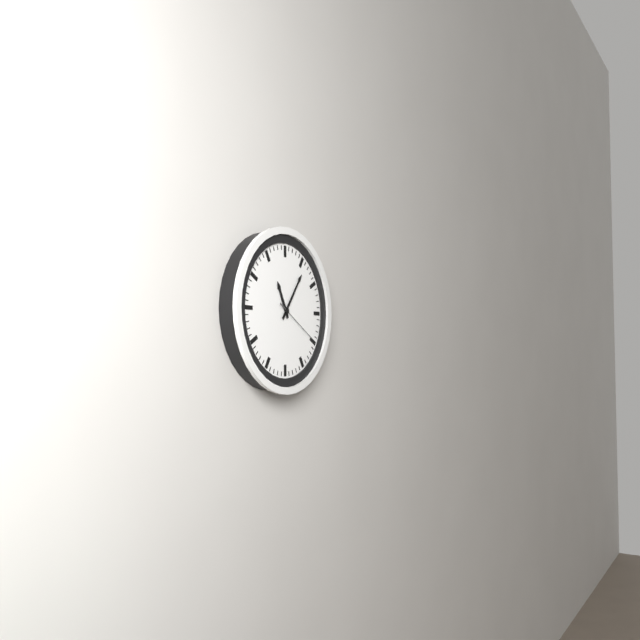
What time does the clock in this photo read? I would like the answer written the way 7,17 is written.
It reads 11,06
